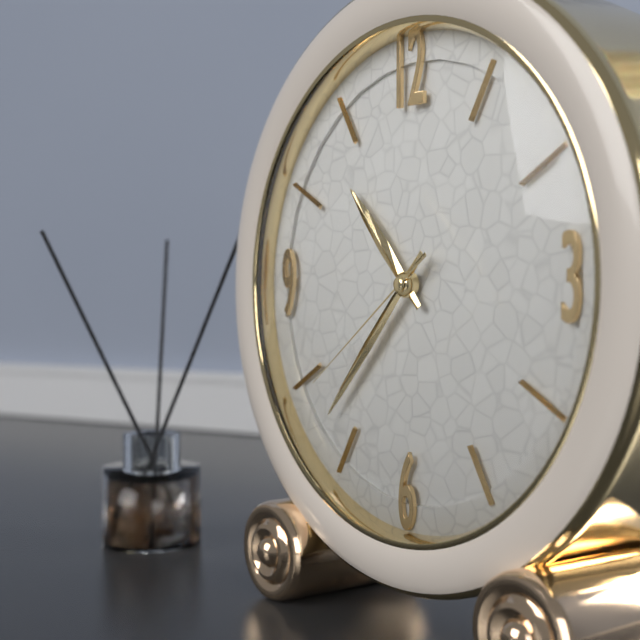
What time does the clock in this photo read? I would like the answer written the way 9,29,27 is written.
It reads 10,37,39
